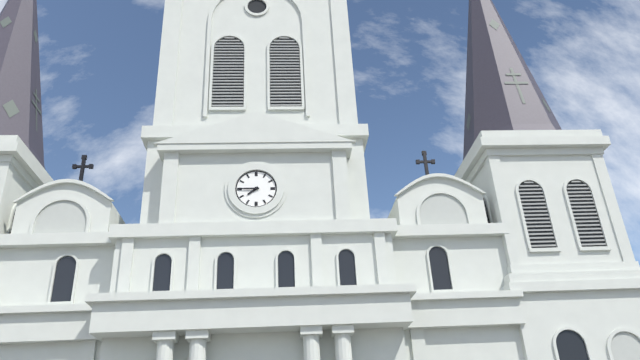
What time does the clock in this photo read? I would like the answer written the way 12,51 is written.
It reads 7,45
